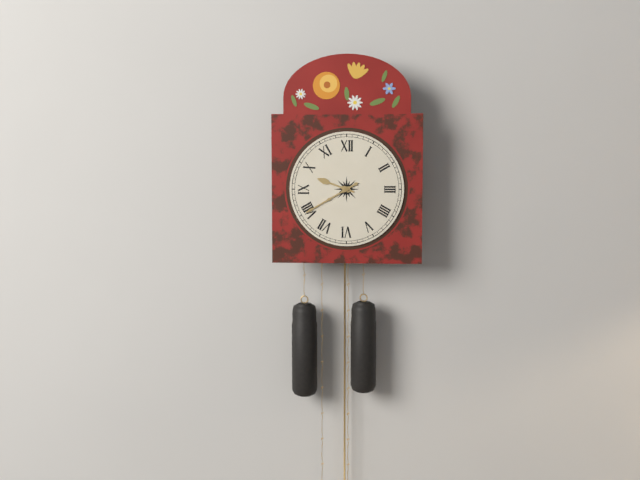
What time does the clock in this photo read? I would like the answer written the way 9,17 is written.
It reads 9,40
